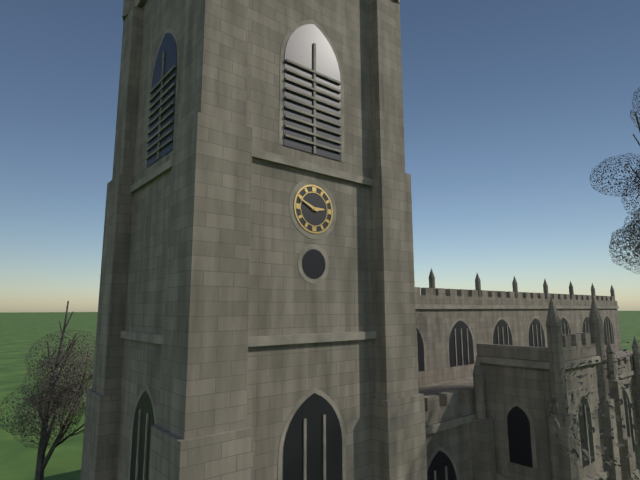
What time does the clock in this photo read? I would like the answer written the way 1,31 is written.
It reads 2,49
